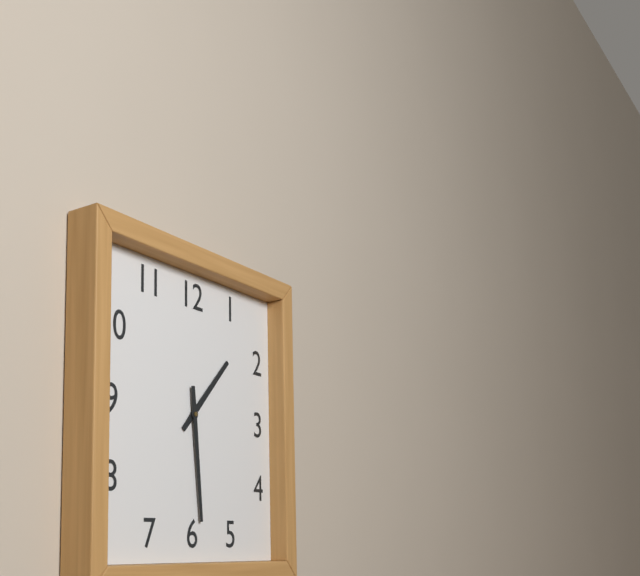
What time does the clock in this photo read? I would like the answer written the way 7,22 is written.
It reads 1,29
